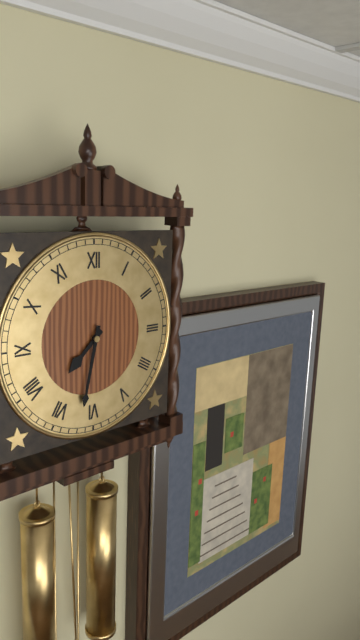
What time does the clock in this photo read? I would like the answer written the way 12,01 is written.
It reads 7,32
